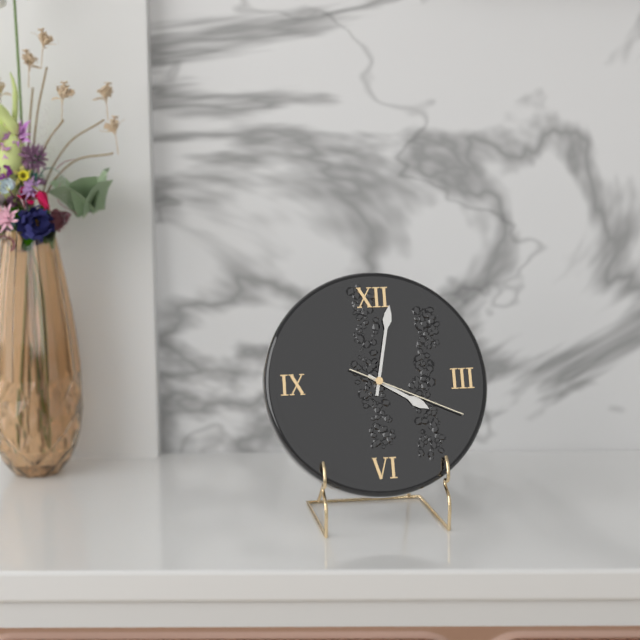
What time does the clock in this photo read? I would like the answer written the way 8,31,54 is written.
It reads 4,02,19
